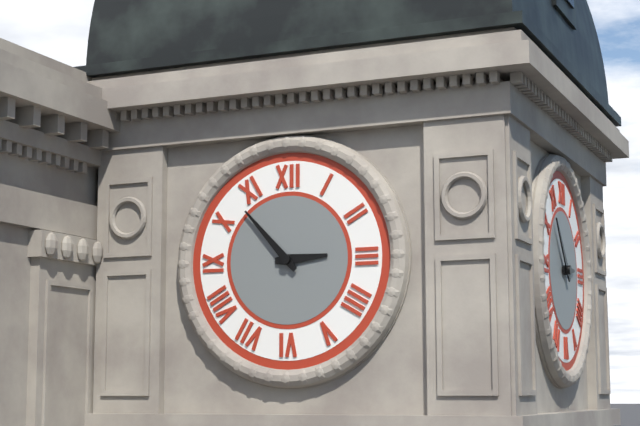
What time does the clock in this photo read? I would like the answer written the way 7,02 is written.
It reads 2,53
